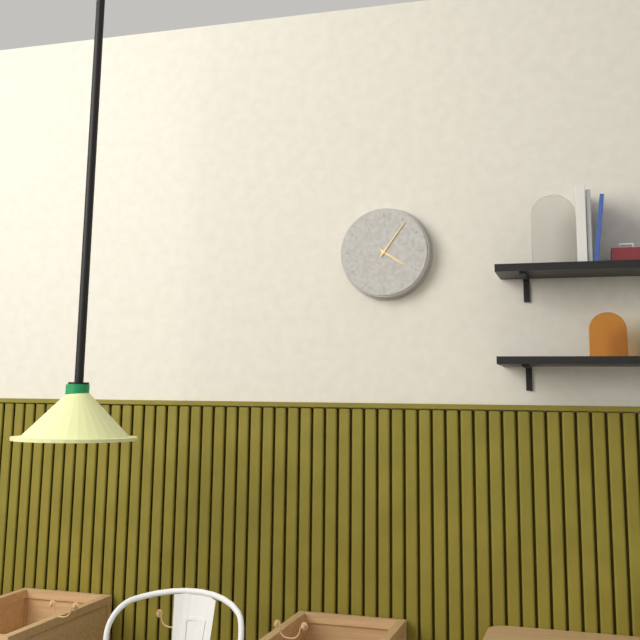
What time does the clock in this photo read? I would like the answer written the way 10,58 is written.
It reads 4,06
